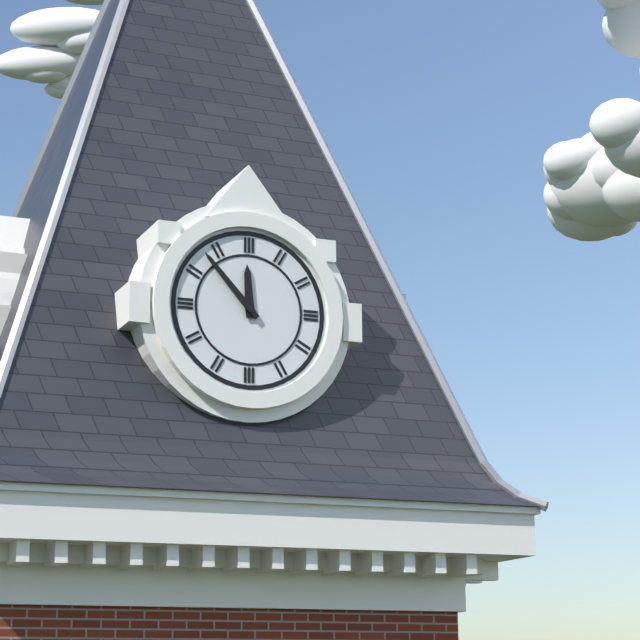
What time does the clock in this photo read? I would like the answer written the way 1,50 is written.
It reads 11,53
